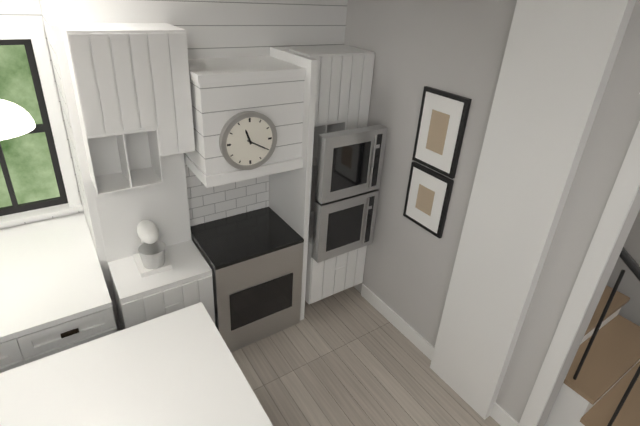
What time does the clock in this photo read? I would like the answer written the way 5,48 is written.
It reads 11,20
